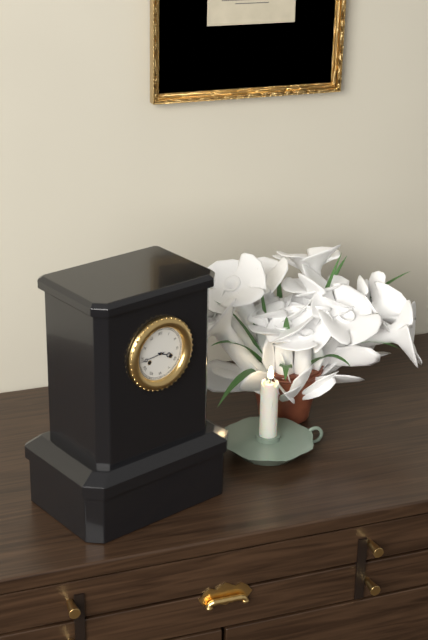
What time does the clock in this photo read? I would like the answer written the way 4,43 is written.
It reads 3,44
